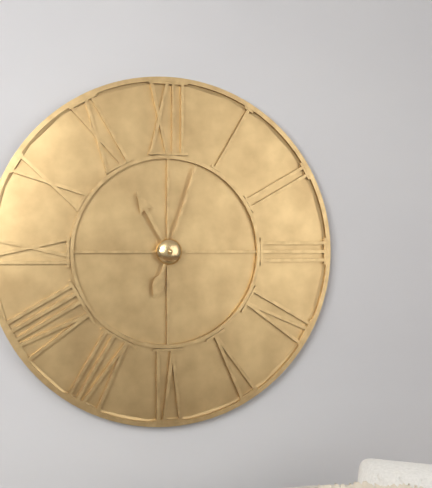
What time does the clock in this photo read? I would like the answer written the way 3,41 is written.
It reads 11,03
